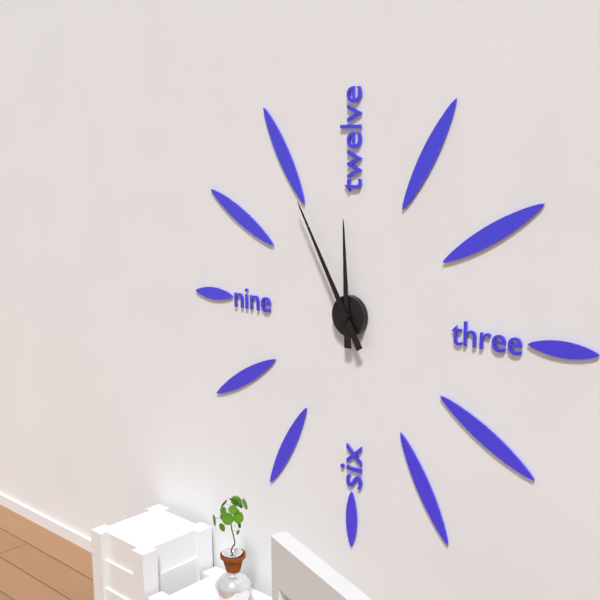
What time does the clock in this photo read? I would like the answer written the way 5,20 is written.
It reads 11,55
